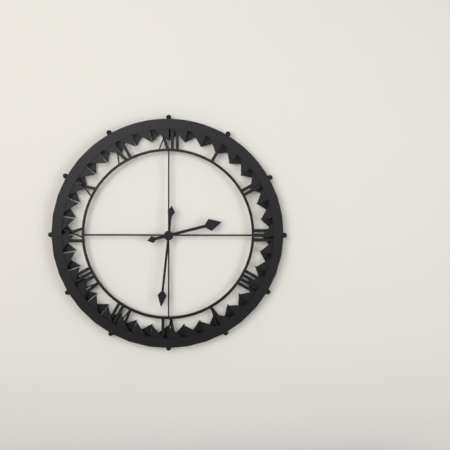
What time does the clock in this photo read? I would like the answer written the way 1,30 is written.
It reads 2,31
